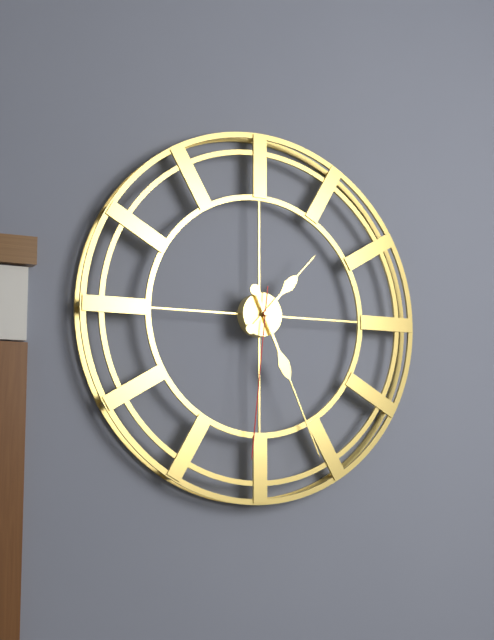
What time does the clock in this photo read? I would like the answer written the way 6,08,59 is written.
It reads 1,26,31
